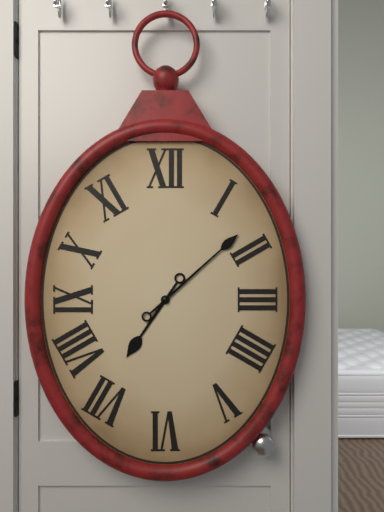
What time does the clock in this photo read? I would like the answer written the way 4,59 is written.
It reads 7,08
